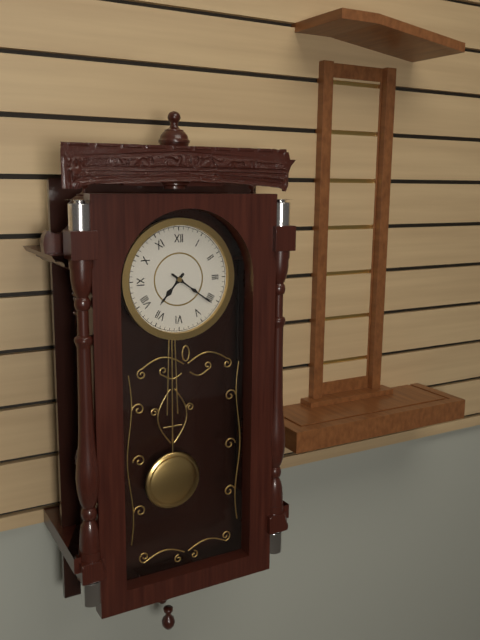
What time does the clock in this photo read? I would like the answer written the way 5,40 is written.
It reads 7,21
